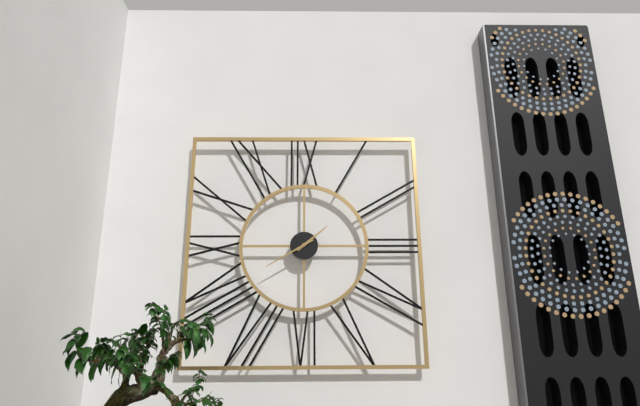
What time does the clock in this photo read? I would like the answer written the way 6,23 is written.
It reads 1,40
